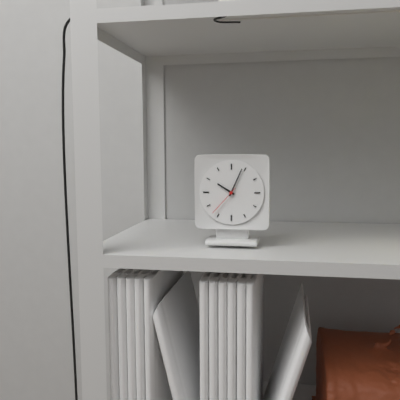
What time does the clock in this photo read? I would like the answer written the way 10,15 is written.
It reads 10,04
